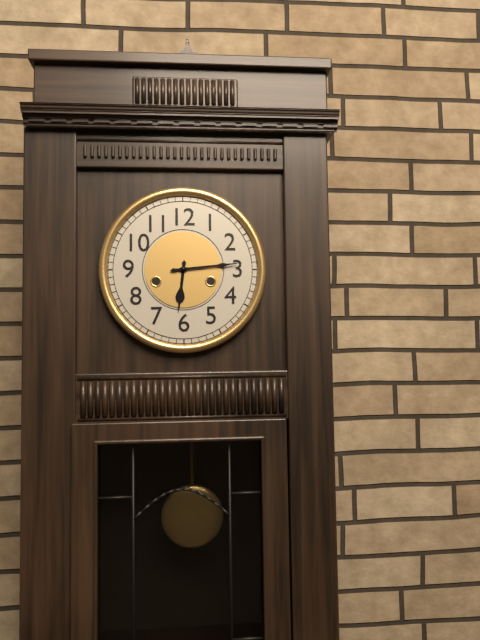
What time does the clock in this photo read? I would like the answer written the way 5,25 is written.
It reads 6,14
